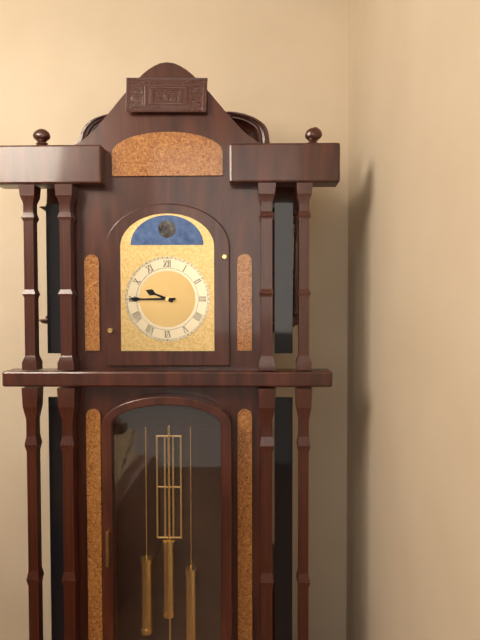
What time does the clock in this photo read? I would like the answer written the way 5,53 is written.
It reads 9,45
